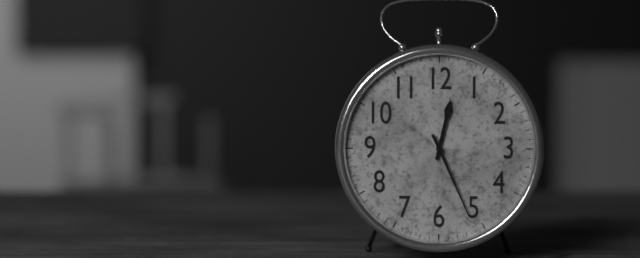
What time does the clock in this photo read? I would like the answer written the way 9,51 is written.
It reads 12,26
